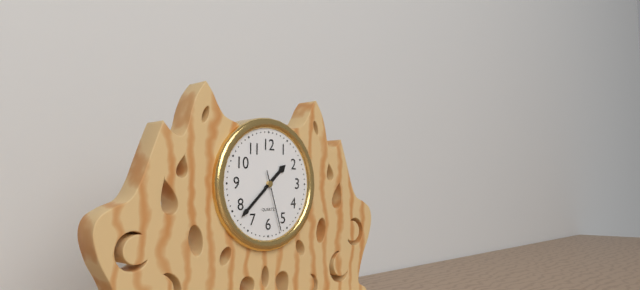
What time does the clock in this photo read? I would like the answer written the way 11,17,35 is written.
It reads 1,38,27
